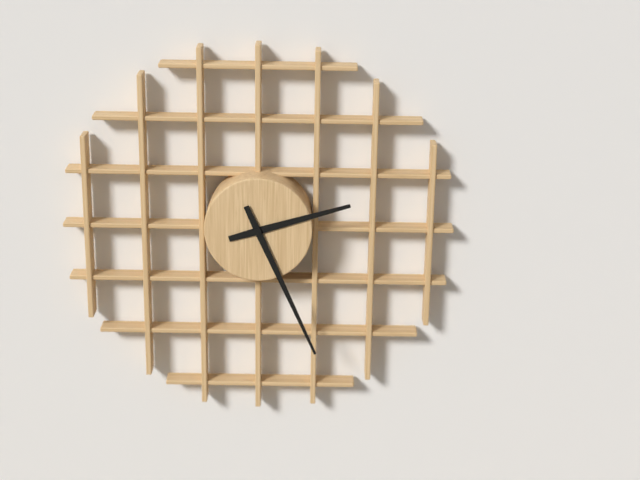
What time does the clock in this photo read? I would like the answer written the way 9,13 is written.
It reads 2,26
